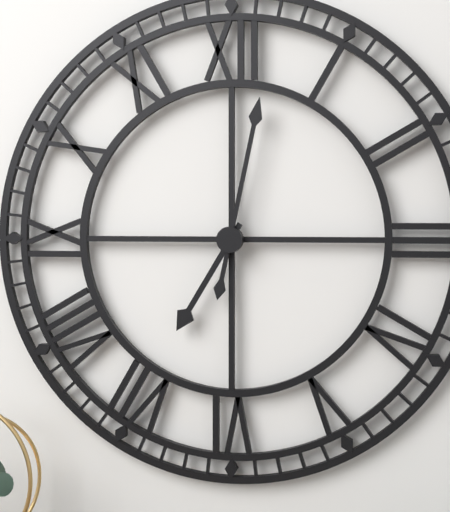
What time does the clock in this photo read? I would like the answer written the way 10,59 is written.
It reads 7,02
